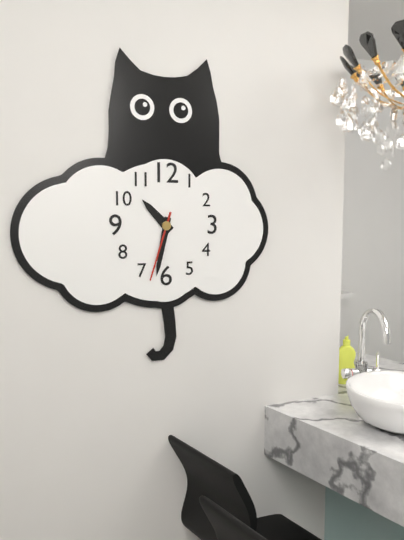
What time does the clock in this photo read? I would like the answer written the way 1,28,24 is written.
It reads 10,32,33
